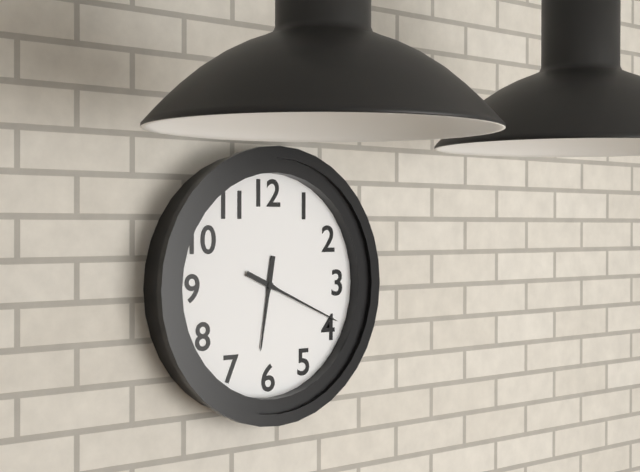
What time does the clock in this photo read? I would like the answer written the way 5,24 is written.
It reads 6,19
